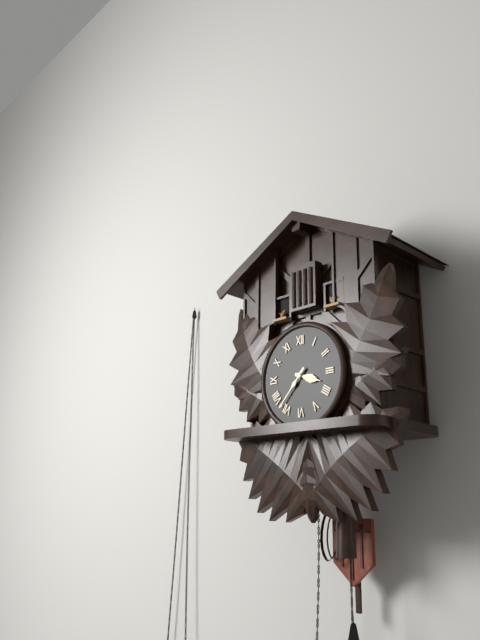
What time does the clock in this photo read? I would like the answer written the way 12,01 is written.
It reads 3,37
